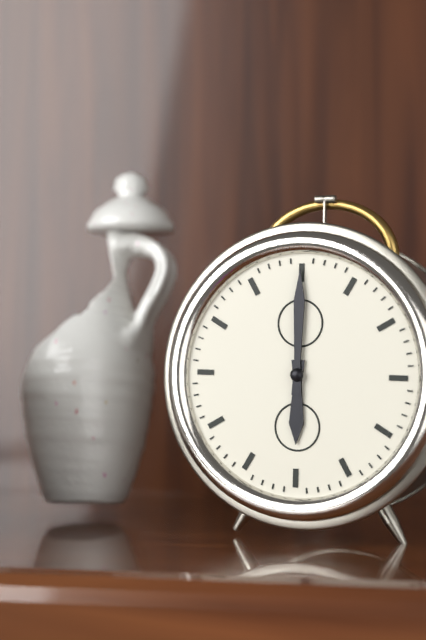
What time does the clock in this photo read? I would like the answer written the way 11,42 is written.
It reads 6,00
